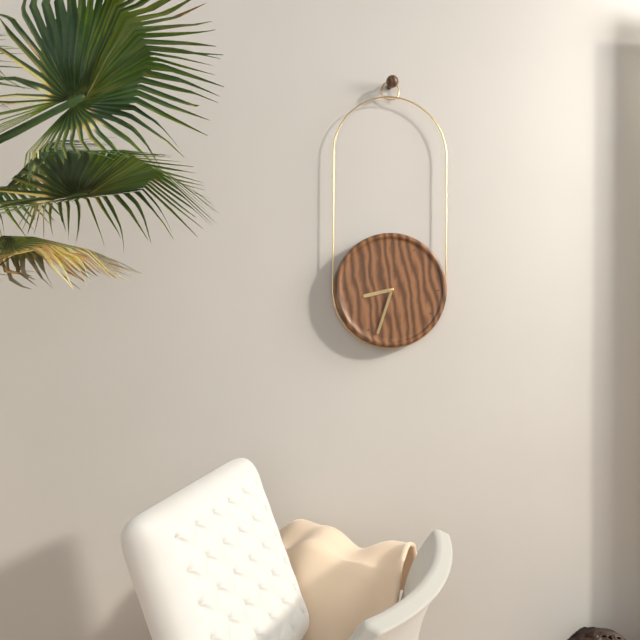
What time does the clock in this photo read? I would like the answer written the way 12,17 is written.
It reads 8,33
